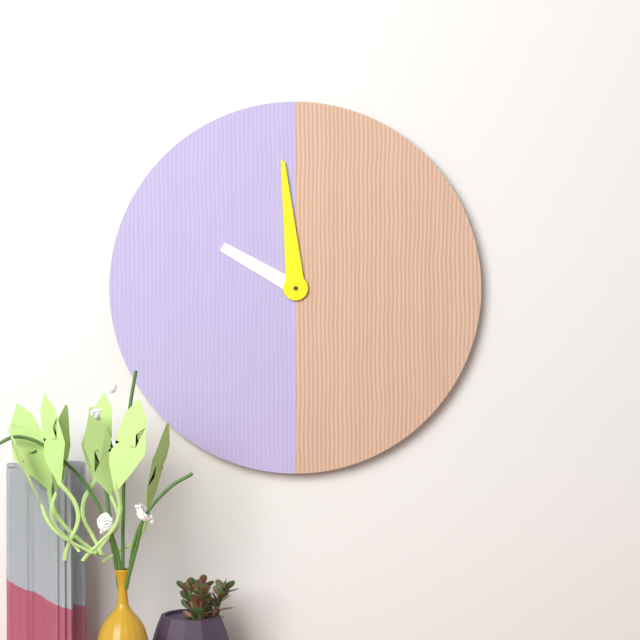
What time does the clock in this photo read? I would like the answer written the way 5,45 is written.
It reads 9,59
